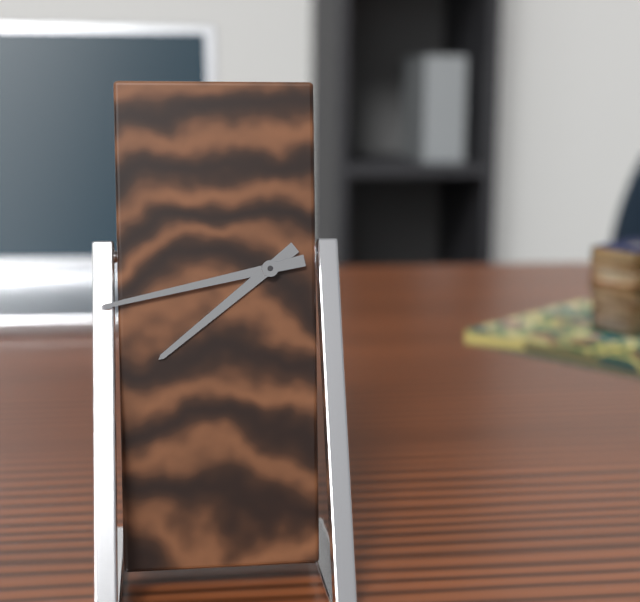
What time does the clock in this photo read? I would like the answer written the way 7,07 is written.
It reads 7,43
